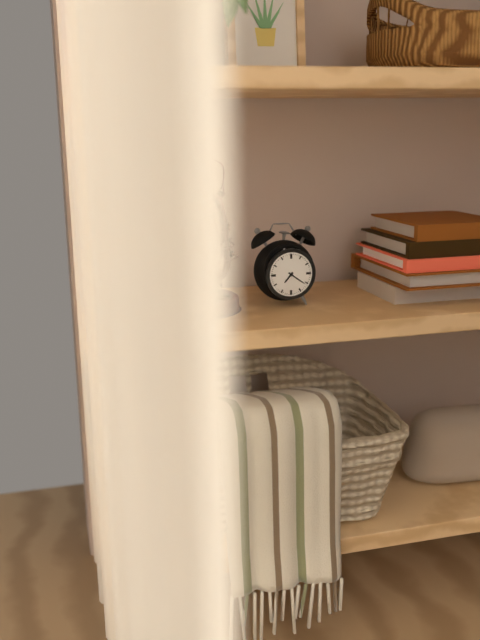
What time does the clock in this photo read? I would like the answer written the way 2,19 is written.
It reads 7,21
